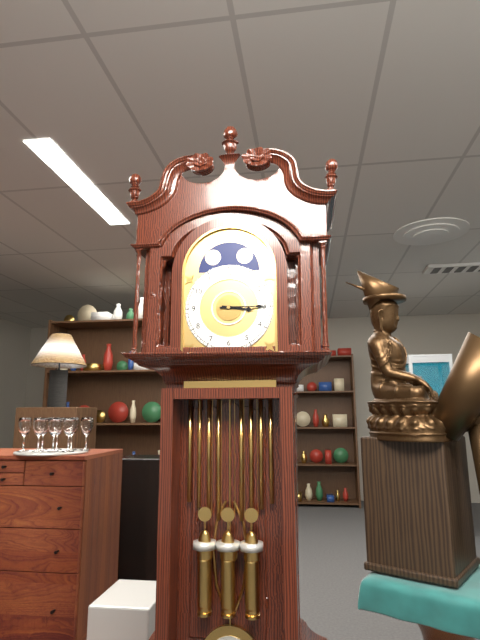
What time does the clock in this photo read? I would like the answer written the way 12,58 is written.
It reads 3,15
